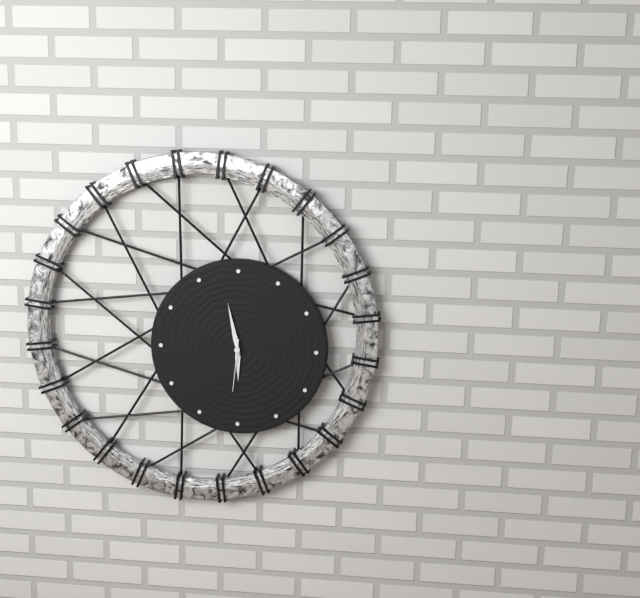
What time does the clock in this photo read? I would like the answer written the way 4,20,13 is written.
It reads 5,58,31
